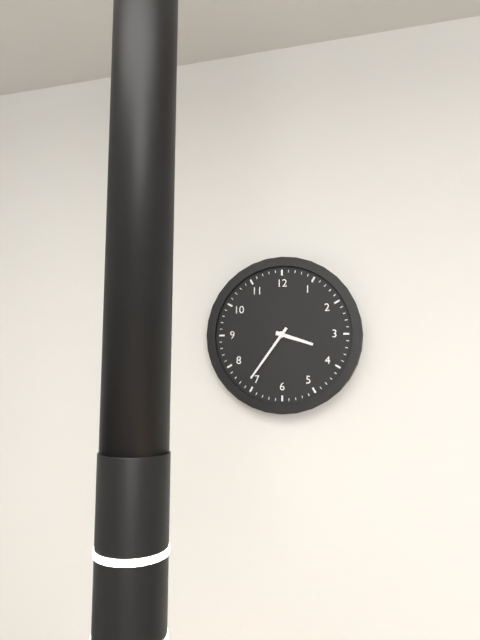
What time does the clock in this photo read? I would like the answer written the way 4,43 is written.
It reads 3,36
